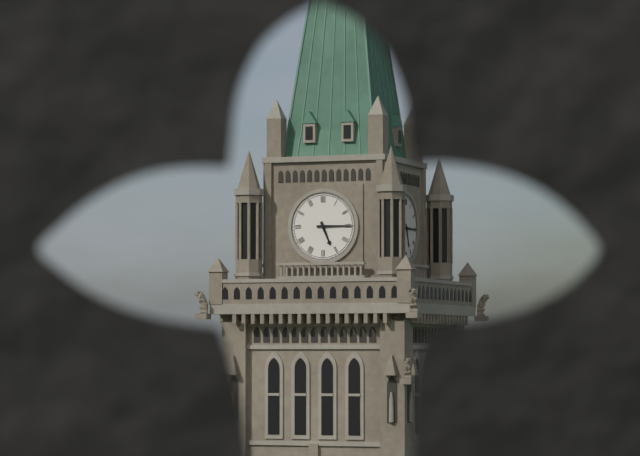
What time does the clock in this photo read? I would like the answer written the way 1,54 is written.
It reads 5,15
